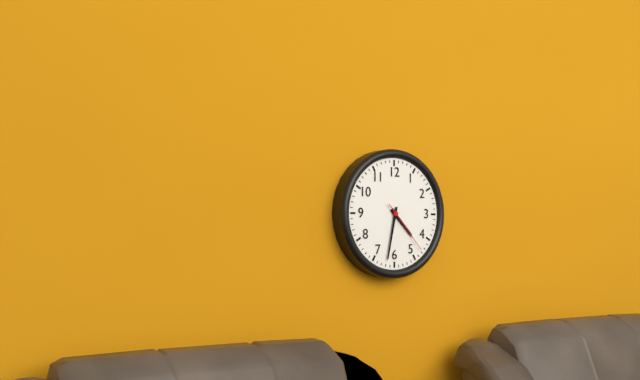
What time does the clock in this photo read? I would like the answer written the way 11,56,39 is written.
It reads 4,32,23
